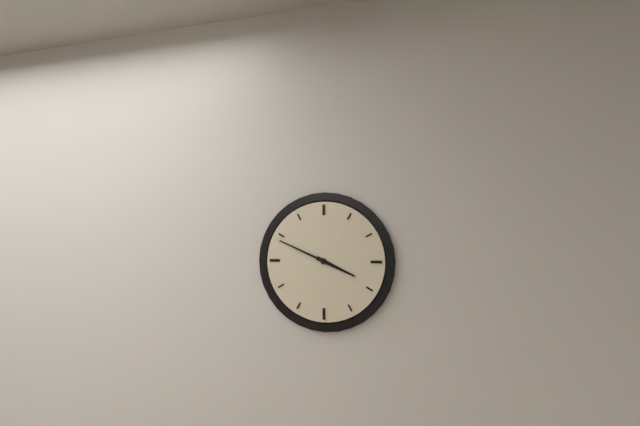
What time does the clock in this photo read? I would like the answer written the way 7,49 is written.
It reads 3,49
